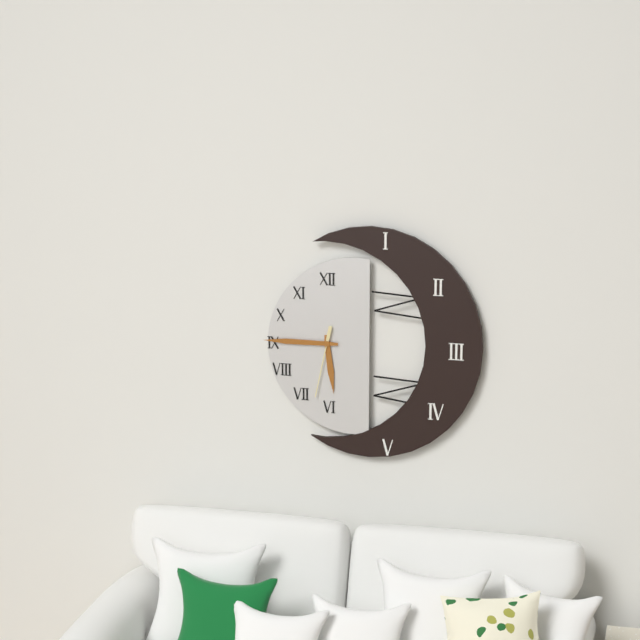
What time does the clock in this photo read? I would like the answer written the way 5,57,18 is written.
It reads 5,45,32
